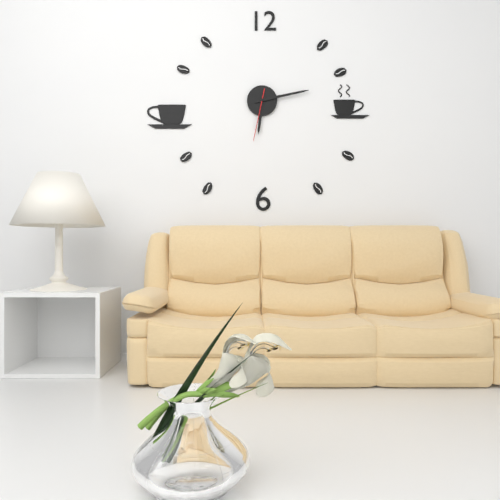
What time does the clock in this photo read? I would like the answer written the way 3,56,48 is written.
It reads 6,13,32
